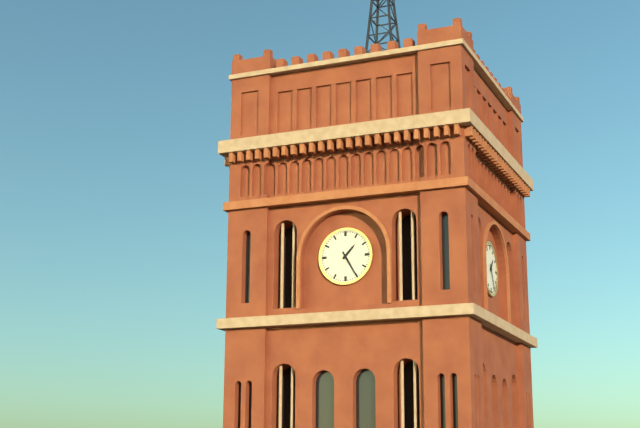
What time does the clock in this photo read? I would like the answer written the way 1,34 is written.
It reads 1,25
